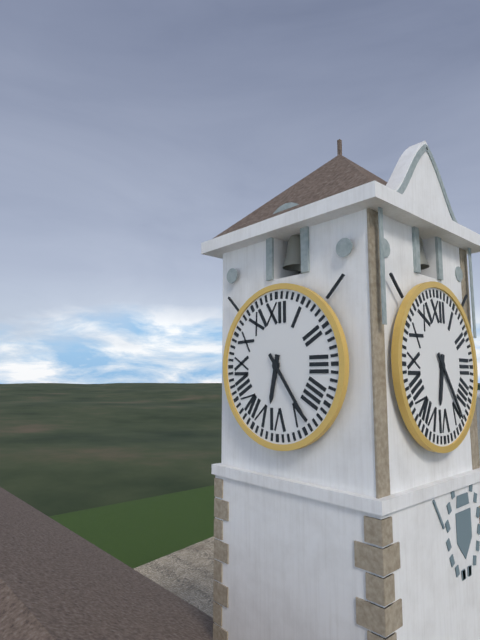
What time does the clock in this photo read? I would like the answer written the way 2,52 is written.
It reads 6,24
